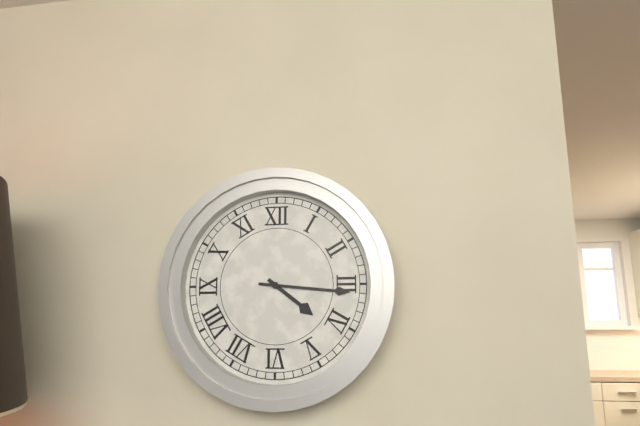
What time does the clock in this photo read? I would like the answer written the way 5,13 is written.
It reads 4,16
